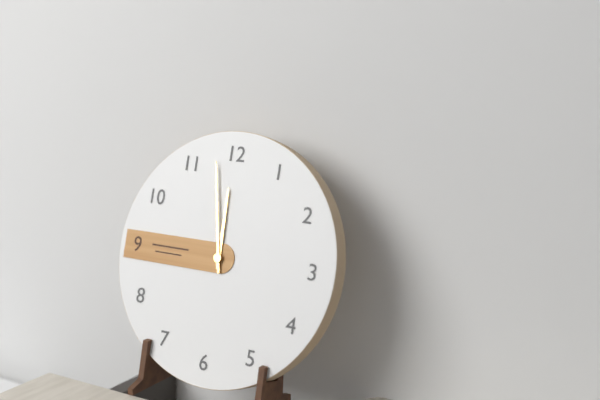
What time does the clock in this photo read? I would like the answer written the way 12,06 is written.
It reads 11,58
